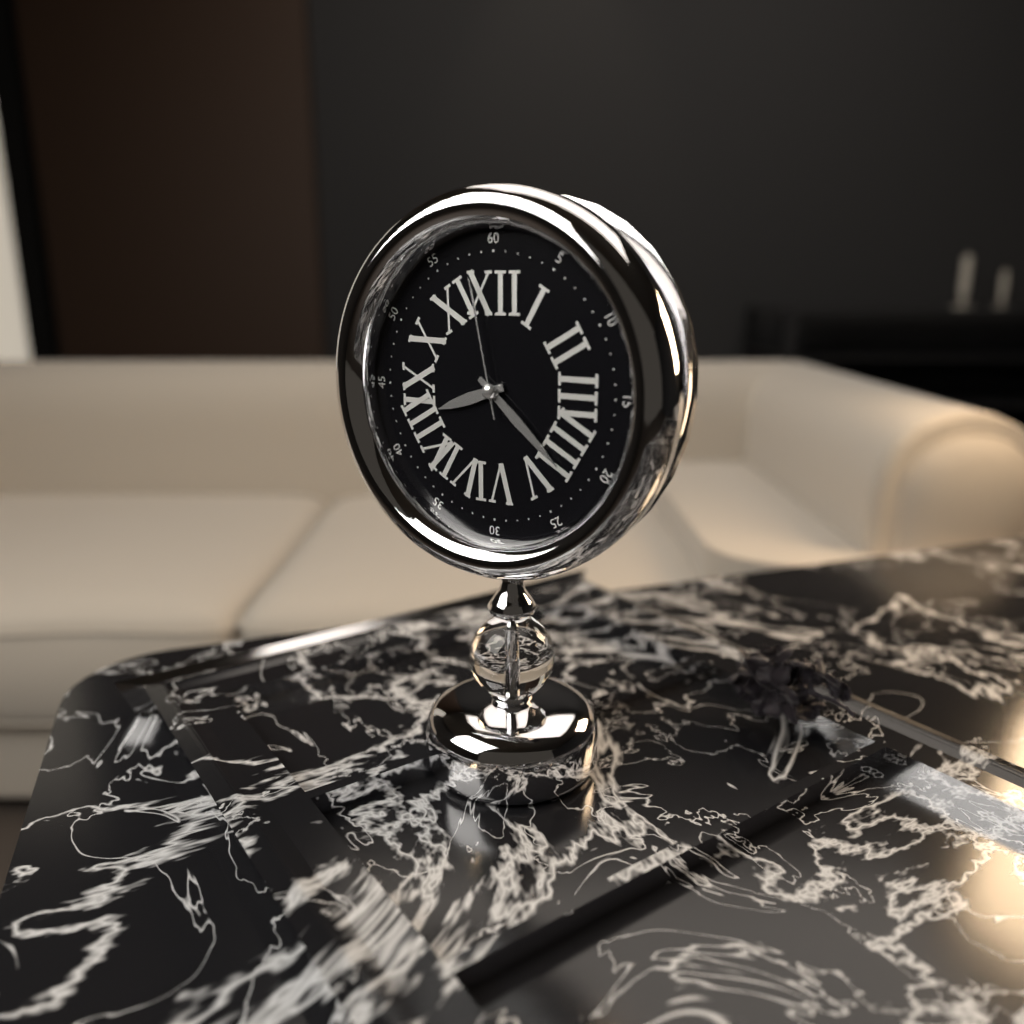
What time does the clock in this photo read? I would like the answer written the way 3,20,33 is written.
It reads 8,22,58
